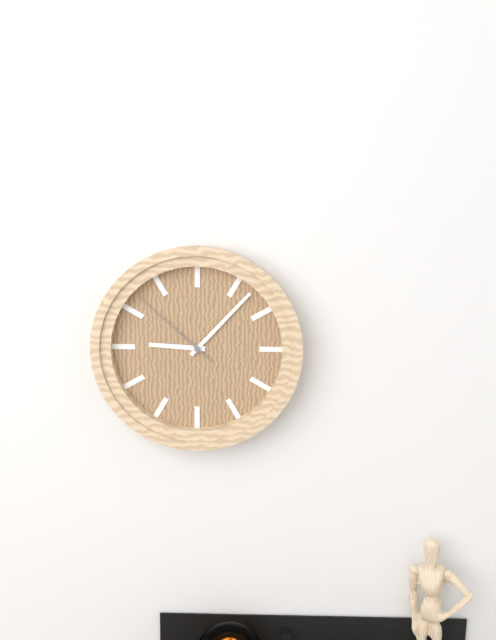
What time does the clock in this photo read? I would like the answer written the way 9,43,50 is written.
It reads 9,07,52
